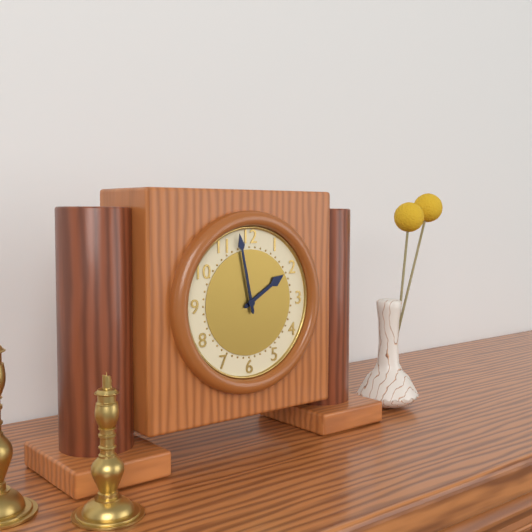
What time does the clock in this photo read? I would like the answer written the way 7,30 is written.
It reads 1,58
